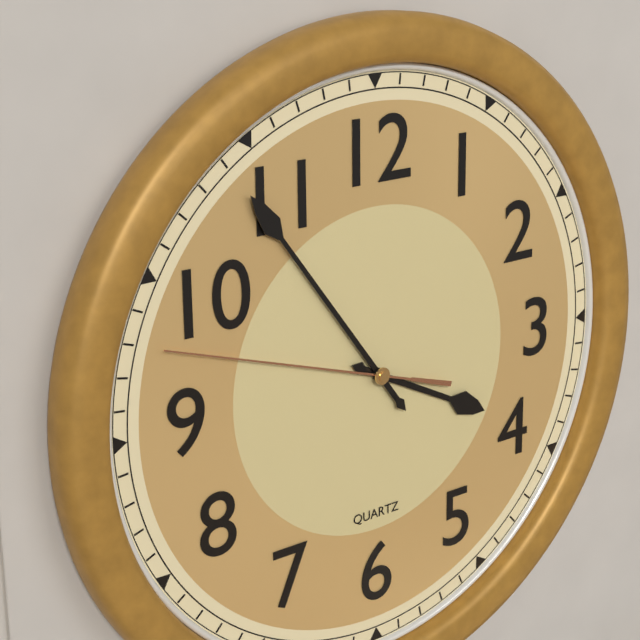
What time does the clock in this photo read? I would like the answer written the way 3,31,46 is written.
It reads 3,54,48
